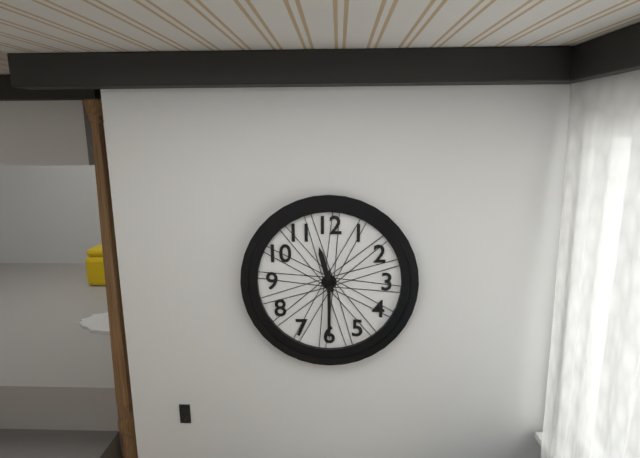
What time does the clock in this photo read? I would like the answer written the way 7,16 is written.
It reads 11,30
